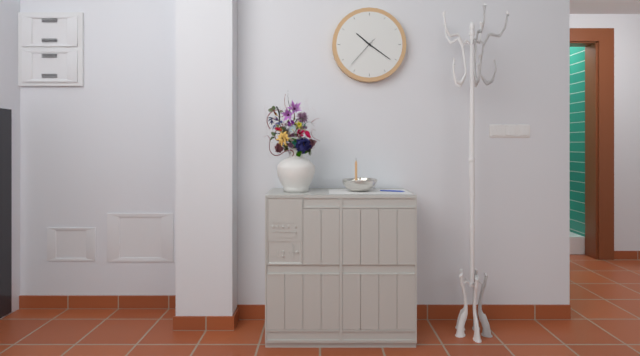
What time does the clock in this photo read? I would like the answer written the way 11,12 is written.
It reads 10,21
